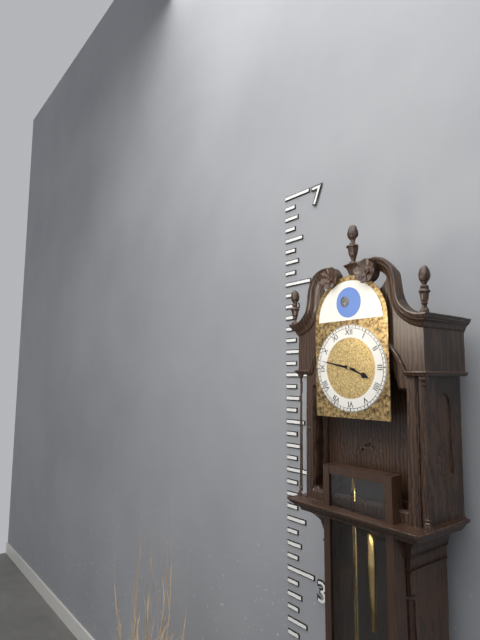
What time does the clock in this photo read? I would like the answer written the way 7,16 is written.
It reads 3,47
